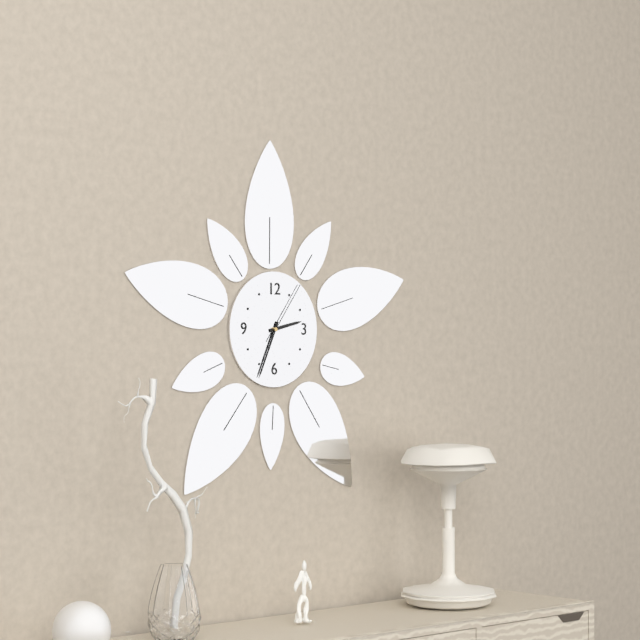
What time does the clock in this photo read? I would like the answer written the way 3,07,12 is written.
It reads 2,34,06
